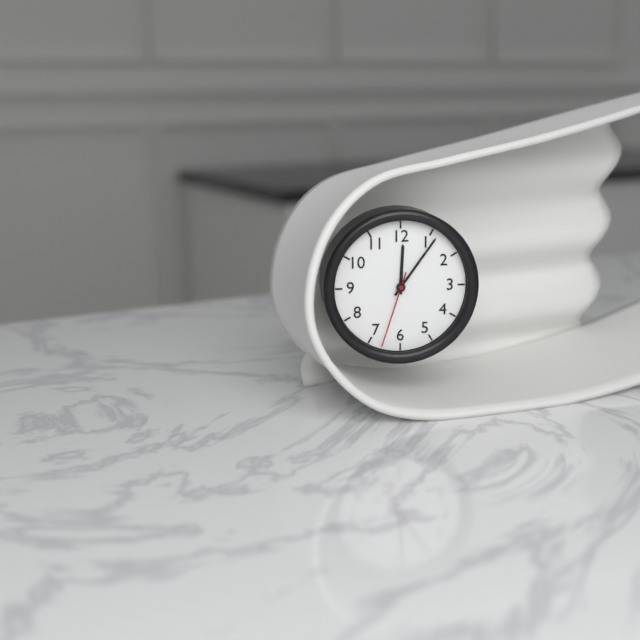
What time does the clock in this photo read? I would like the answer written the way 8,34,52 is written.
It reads 12,06,33
